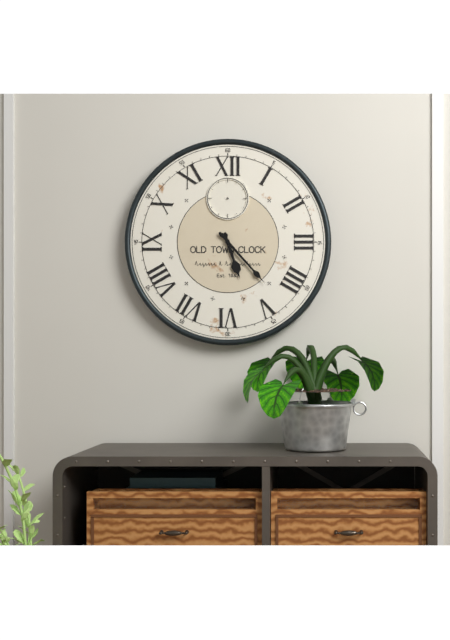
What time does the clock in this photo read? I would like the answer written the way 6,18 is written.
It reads 5,23
